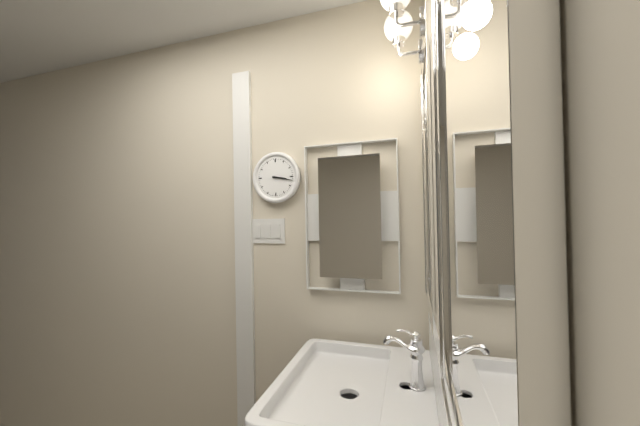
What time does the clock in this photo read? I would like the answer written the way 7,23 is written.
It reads 3,17
